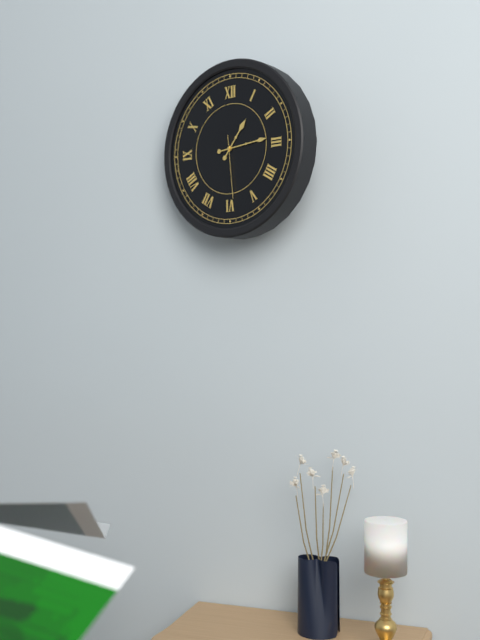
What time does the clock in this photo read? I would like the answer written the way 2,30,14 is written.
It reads 1,14,29
